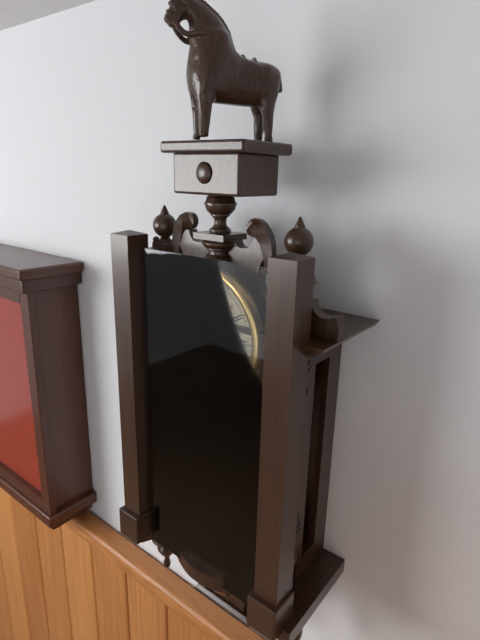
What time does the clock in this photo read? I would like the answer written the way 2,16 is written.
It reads 1,19
